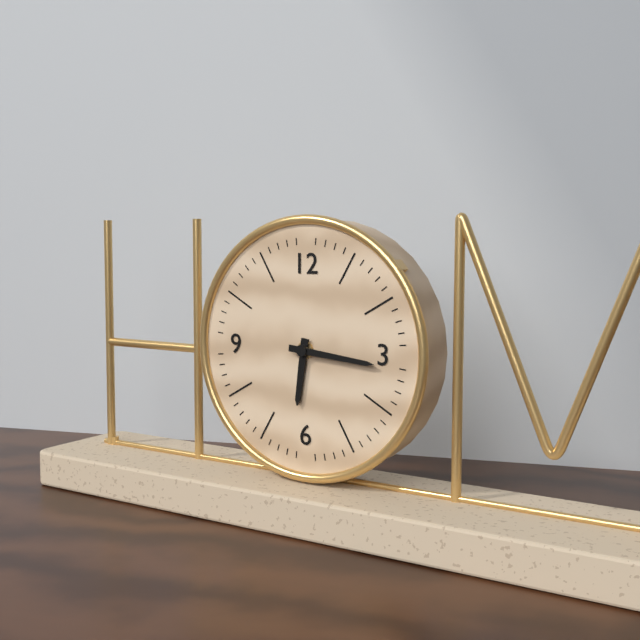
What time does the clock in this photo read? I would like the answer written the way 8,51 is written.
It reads 6,16
